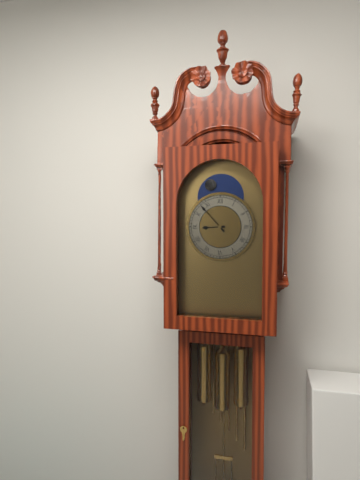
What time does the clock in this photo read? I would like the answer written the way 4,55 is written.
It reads 8,53
